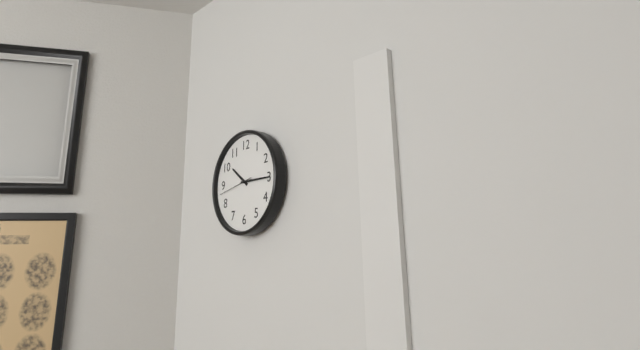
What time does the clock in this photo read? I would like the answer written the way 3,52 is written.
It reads 10,15
